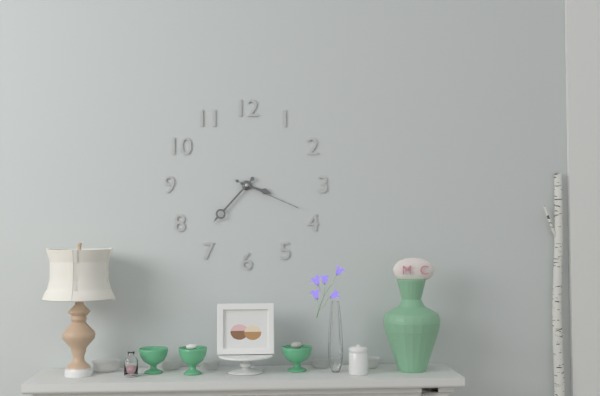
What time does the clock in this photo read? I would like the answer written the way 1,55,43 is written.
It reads 3,37,19
